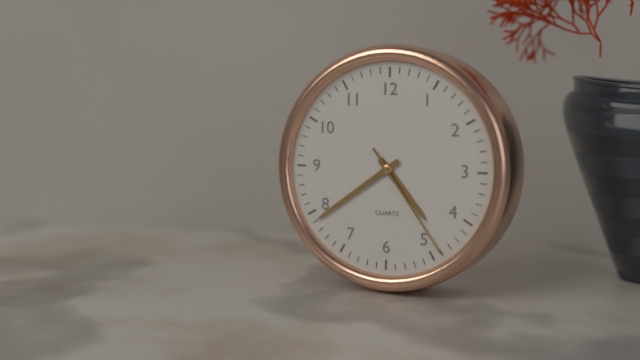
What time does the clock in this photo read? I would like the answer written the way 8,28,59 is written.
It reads 4,39,24
